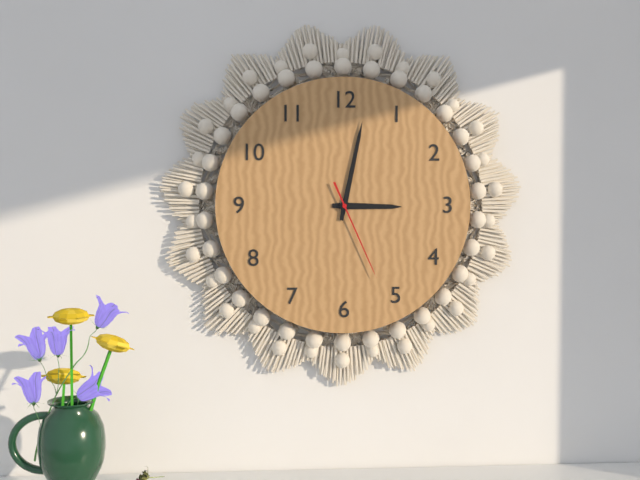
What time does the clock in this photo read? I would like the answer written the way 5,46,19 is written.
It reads 3,02,26
